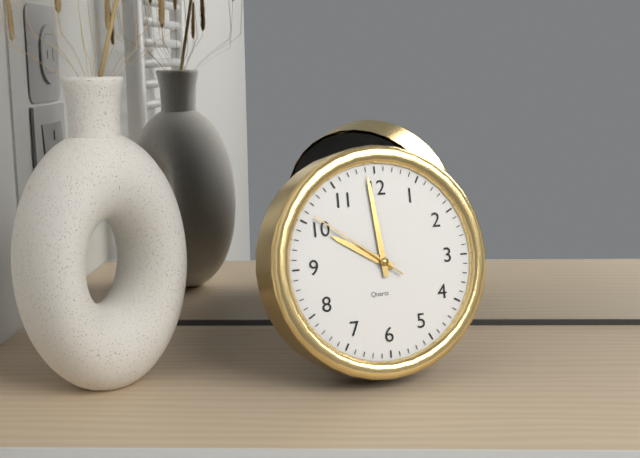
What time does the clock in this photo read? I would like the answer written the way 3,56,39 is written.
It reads 9,59,51
